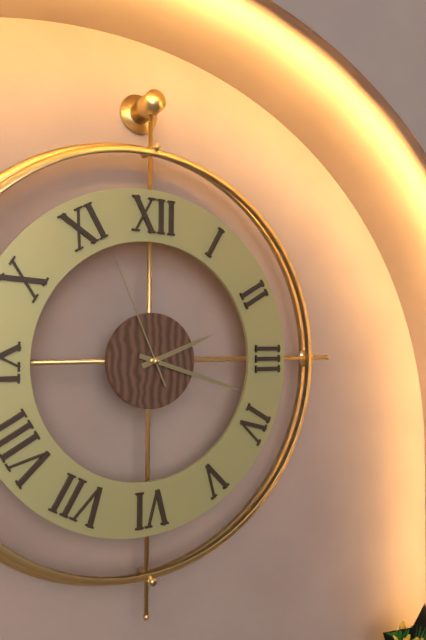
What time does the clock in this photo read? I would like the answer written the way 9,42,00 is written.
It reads 2,18,56
